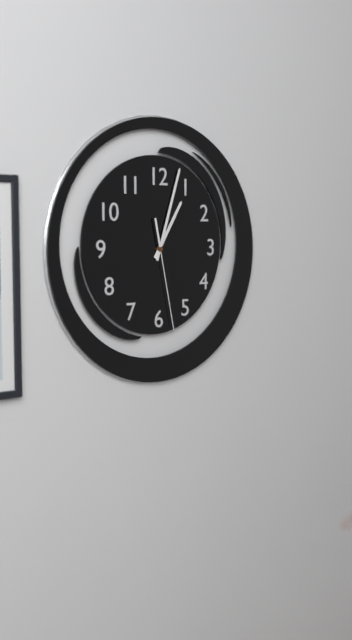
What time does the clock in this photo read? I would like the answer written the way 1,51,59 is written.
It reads 1,03,28
